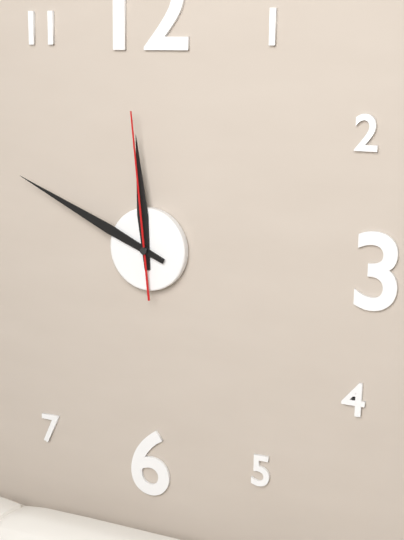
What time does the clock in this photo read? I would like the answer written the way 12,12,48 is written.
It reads 11,49,59
